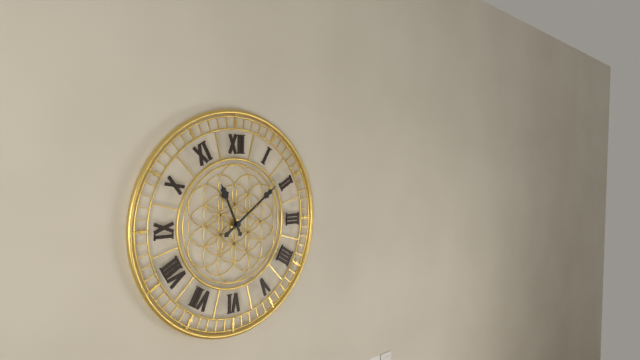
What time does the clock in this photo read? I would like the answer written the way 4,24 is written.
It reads 11,09
